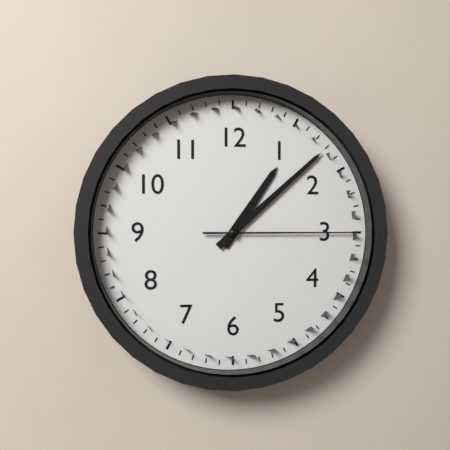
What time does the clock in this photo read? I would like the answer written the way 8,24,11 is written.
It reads 1,08,15
